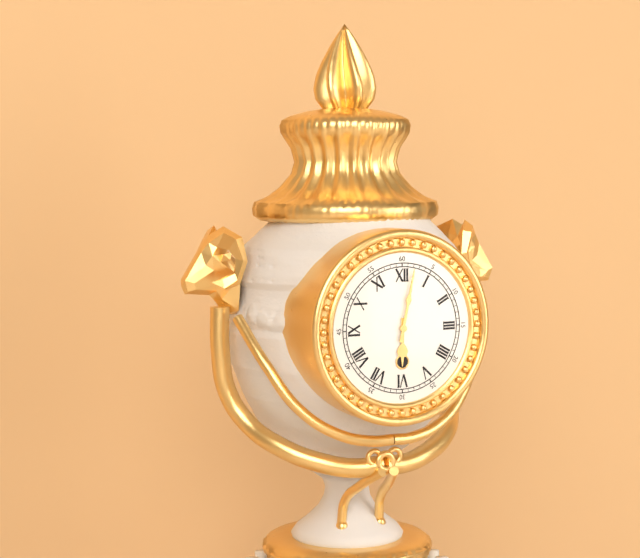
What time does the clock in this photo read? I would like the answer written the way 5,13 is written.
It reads 6,02
